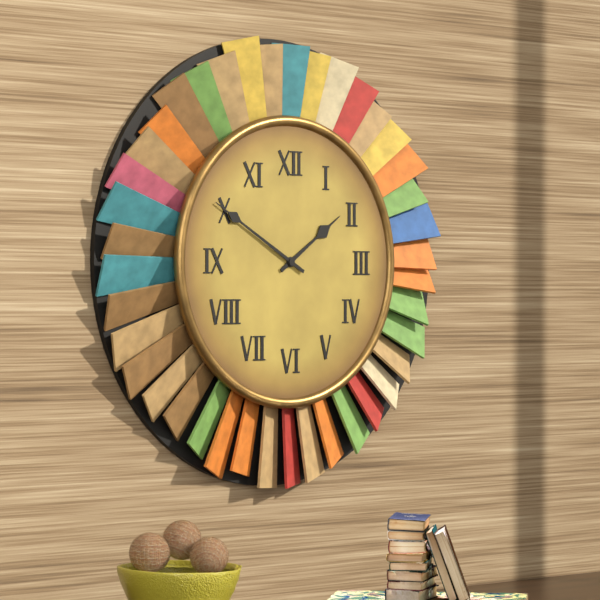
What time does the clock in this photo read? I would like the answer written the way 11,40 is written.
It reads 1,50
